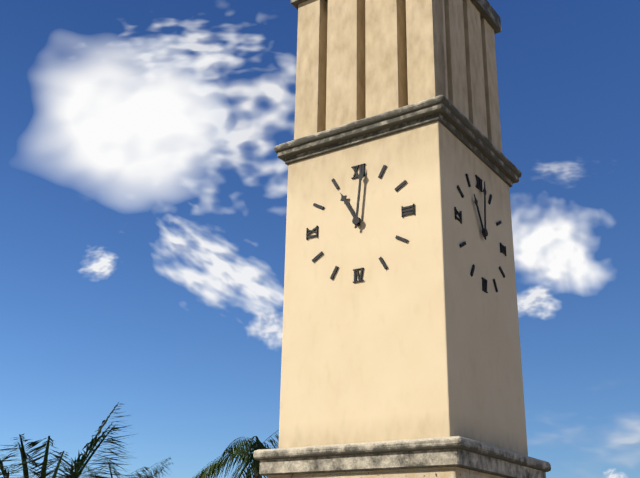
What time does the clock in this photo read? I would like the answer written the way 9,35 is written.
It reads 11,01
